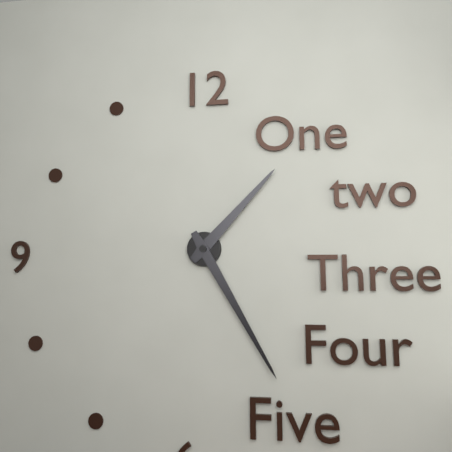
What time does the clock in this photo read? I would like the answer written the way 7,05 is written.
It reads 1,25
